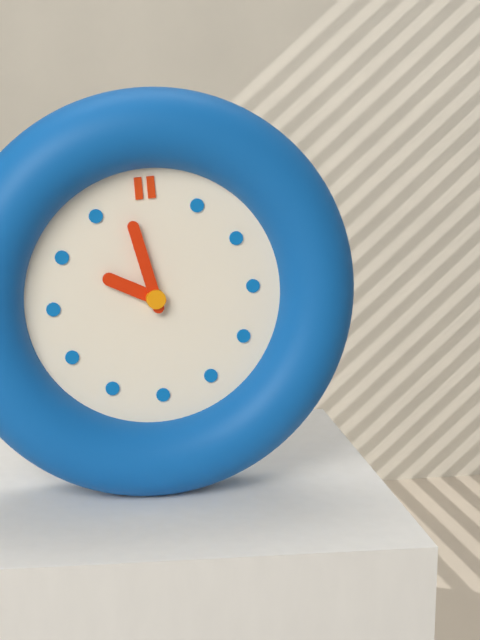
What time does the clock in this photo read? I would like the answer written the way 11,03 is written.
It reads 9,58
